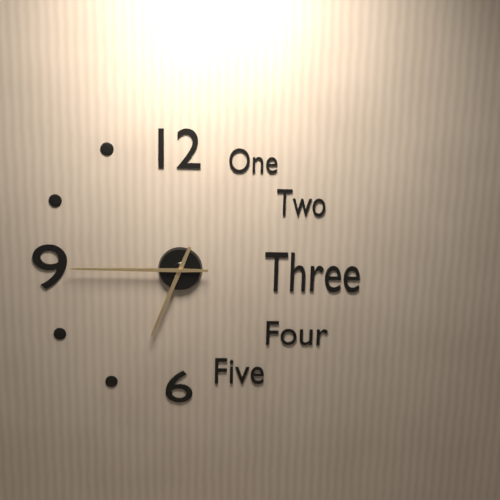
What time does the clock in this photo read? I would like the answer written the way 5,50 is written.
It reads 6,45
